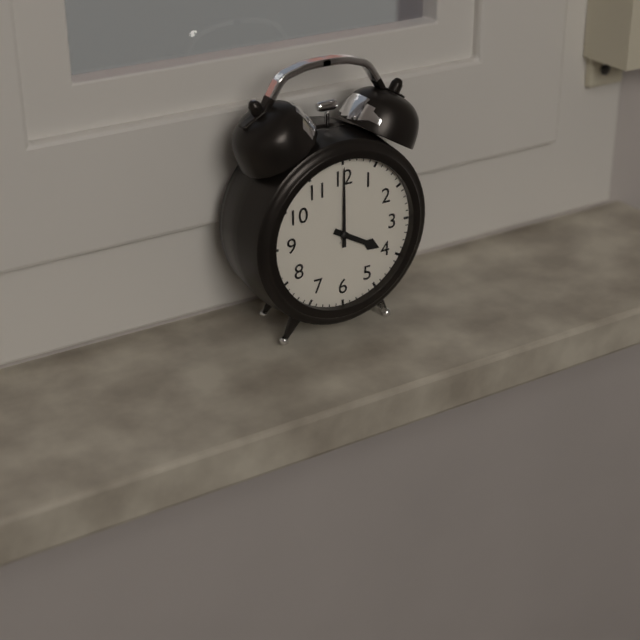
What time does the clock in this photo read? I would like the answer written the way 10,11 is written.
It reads 4,00
